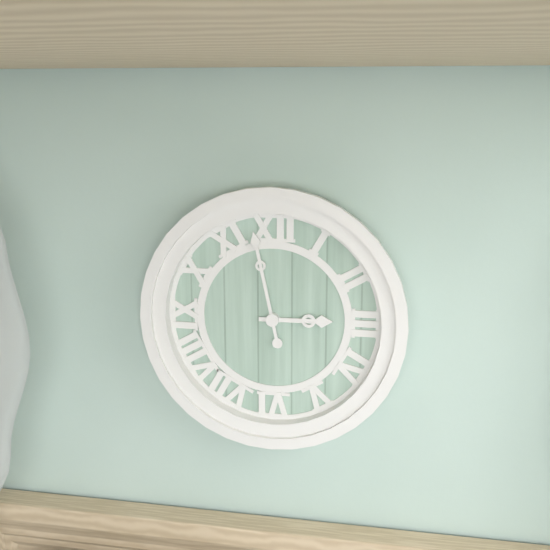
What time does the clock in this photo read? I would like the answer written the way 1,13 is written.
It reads 2,58
